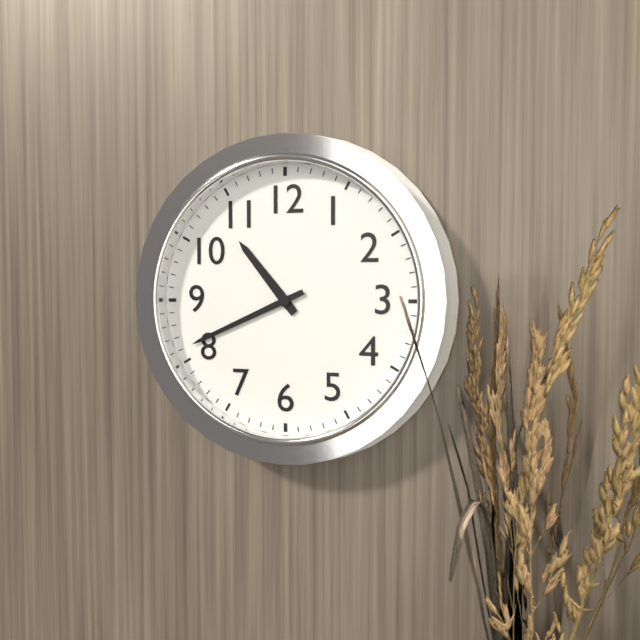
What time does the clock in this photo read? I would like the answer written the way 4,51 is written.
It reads 10,41
